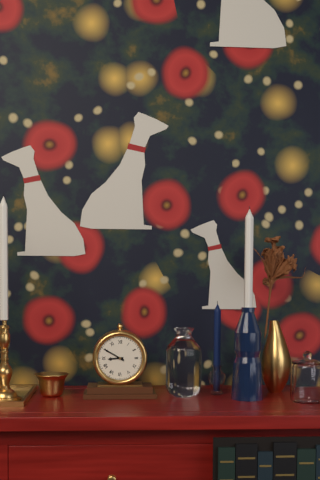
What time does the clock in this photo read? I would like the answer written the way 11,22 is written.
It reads 8,50
